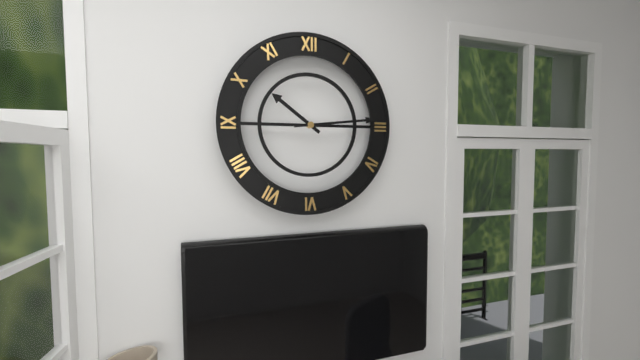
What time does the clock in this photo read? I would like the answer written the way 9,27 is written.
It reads 10,14
